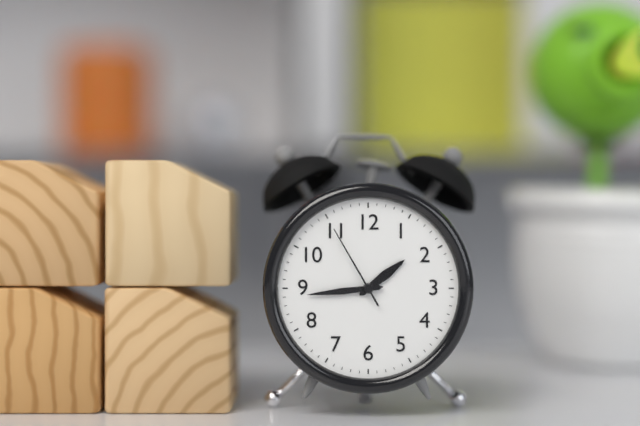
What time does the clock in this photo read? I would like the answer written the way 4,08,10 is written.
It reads 1,44,55
